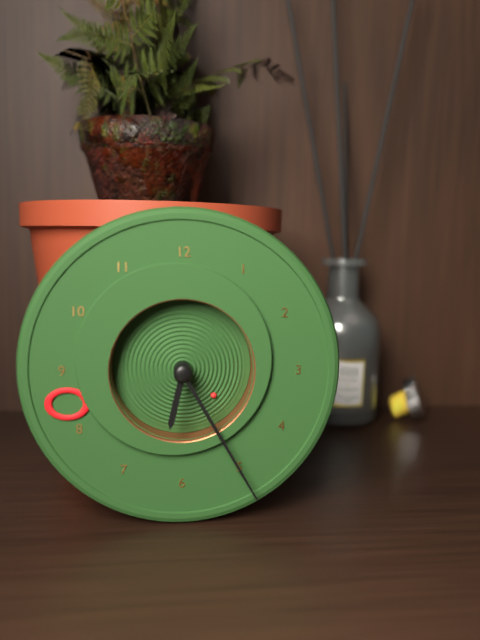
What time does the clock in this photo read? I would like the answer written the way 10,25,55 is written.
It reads 6,25,22
